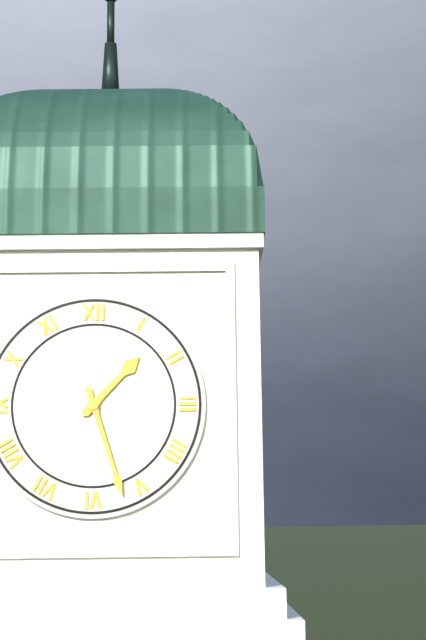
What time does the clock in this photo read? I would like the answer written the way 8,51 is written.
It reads 1,27
